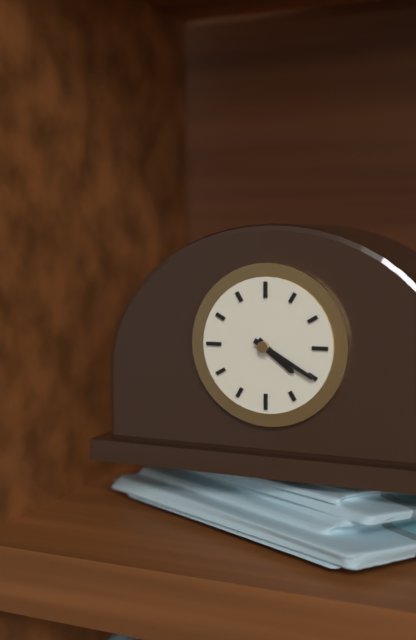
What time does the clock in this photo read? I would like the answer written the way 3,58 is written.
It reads 4,20
